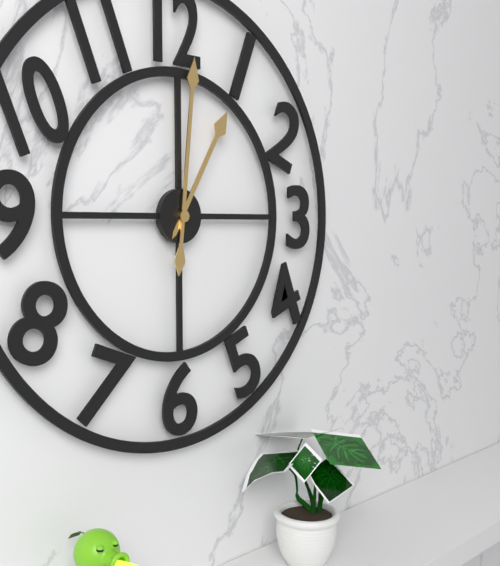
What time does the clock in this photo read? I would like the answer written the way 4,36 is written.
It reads 1,01
